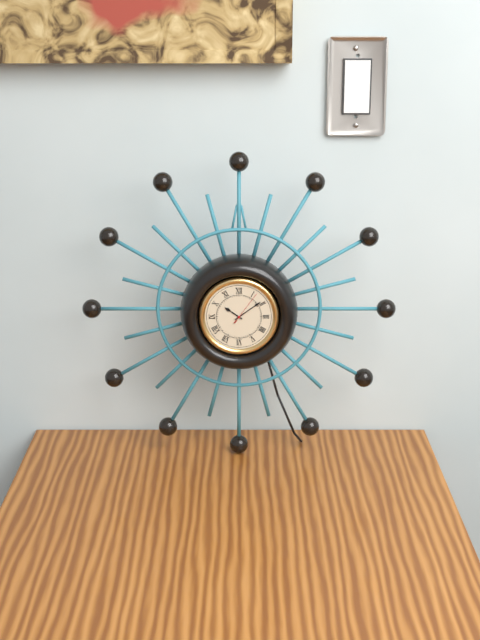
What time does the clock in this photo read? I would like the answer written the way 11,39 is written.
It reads 10,09
